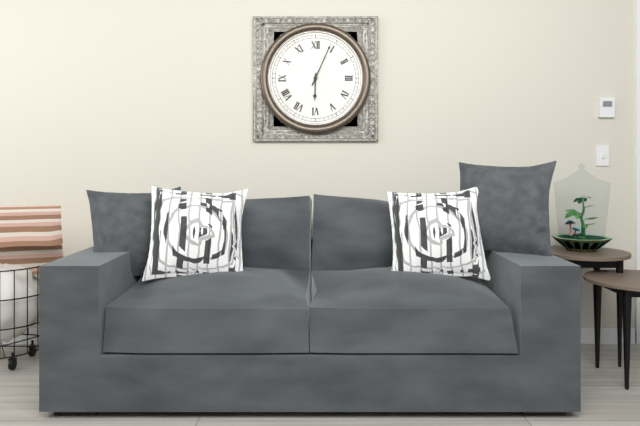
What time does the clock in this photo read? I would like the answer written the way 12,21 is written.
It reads 6,04
